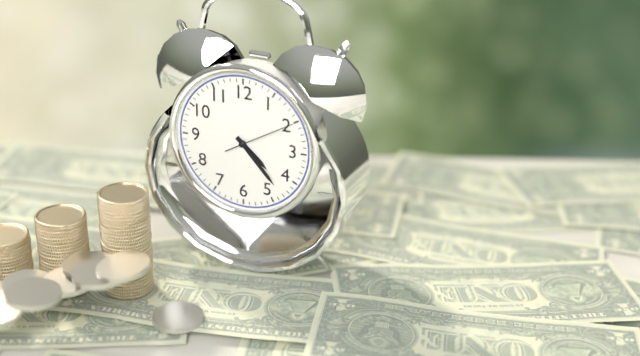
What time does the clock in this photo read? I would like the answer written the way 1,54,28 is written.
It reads 4,23,10
